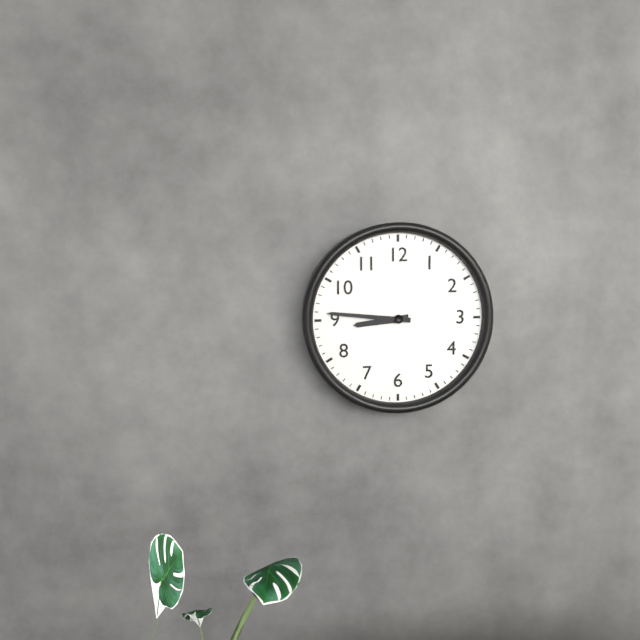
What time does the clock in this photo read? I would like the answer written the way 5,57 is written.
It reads 8,46
